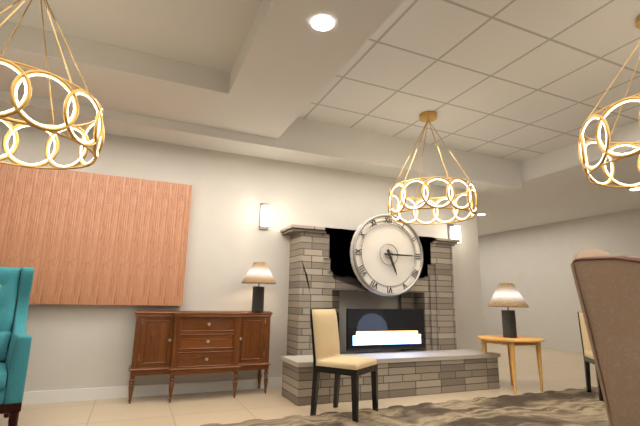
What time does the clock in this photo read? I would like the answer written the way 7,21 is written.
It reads 5,15
